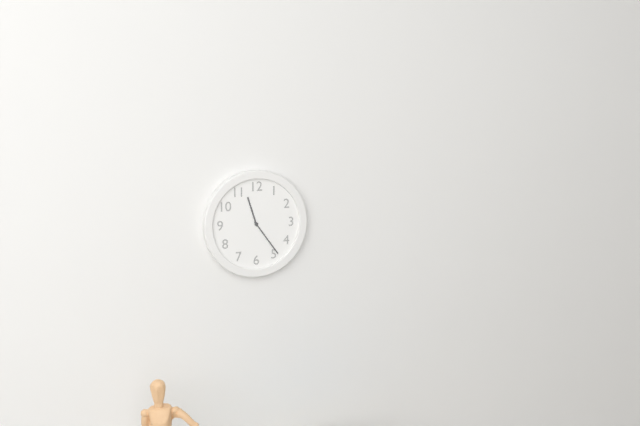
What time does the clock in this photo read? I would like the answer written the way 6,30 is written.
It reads 11,24
